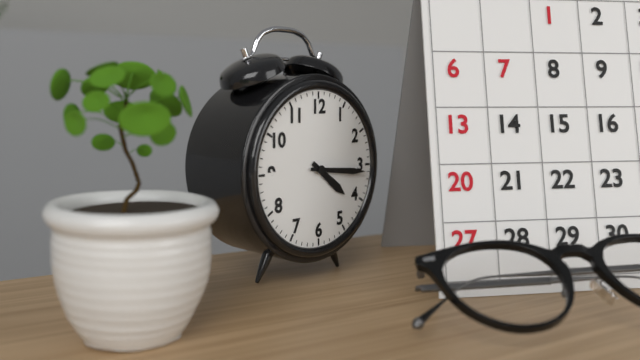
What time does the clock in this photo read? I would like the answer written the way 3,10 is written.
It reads 4,16
